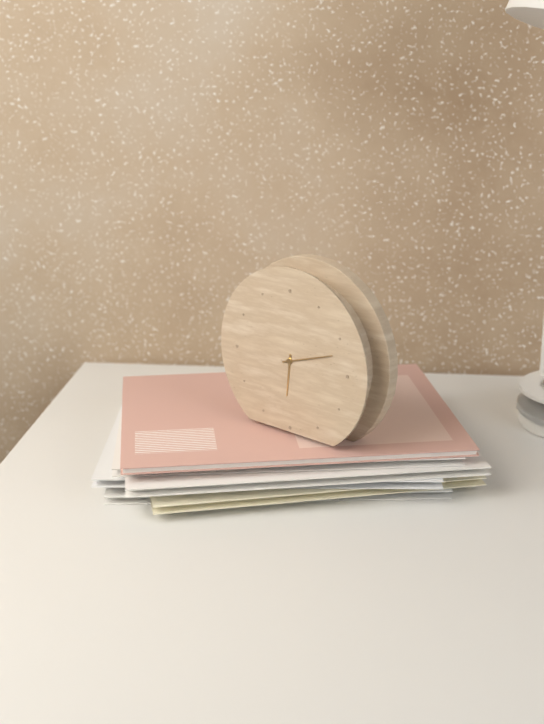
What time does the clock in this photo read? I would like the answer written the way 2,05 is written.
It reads 6,12
